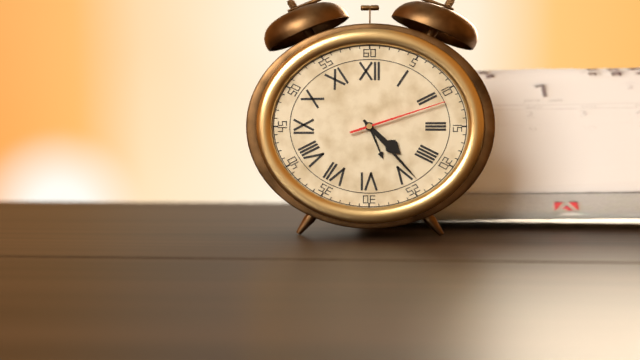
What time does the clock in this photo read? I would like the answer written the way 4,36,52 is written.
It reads 4,23,12
